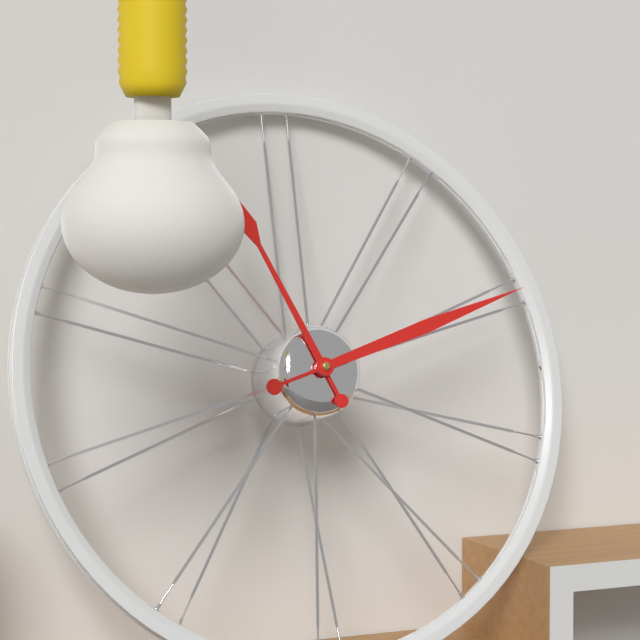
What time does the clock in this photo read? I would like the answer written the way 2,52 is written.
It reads 11,12
